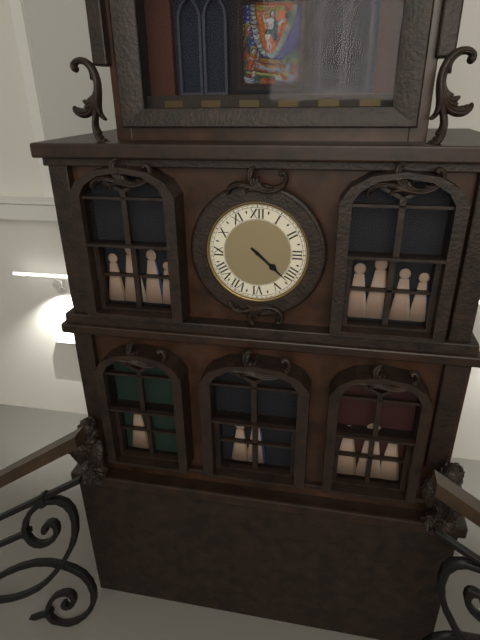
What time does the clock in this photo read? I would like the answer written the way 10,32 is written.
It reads 4,22
